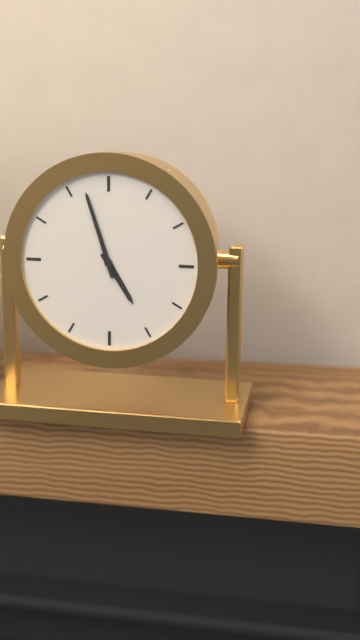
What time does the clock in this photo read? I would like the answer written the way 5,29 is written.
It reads 4,57
